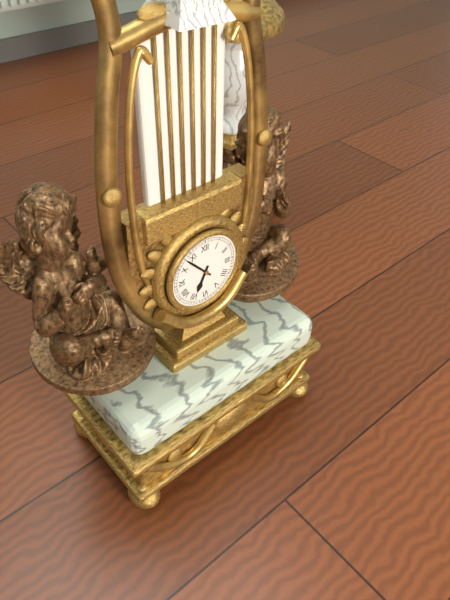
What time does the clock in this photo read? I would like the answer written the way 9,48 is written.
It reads 6,53
